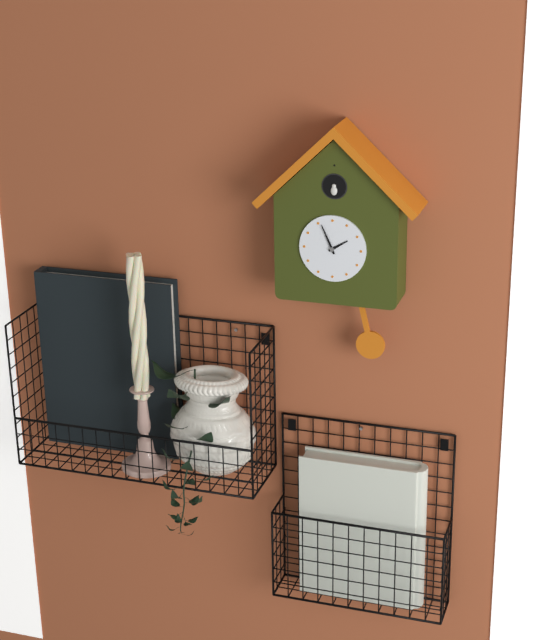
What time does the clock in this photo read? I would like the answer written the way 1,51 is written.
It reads 1,56
